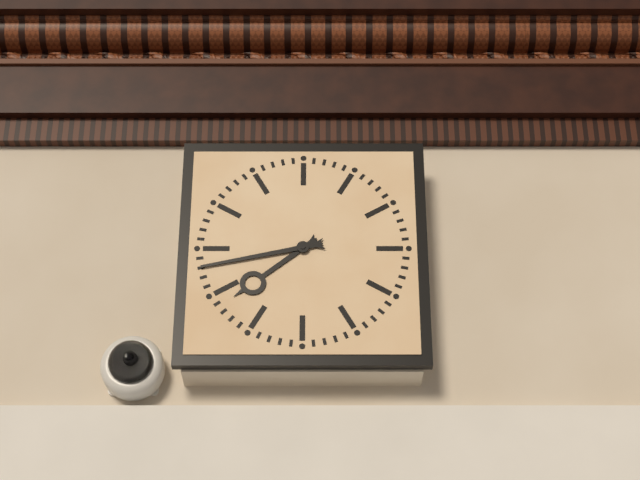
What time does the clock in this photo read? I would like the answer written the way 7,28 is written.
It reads 7,43
